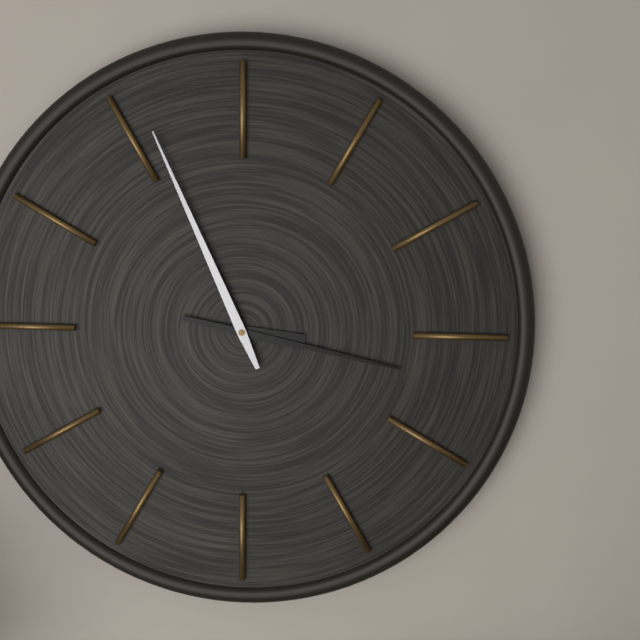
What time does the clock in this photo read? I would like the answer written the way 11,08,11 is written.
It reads 3,17,56
